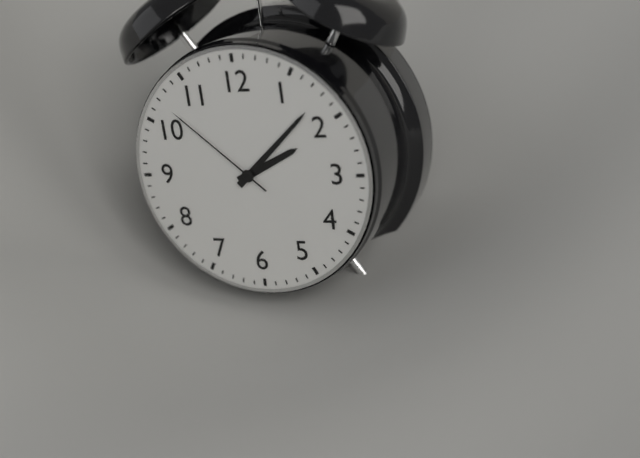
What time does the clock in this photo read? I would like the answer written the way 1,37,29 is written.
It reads 2,08,52
